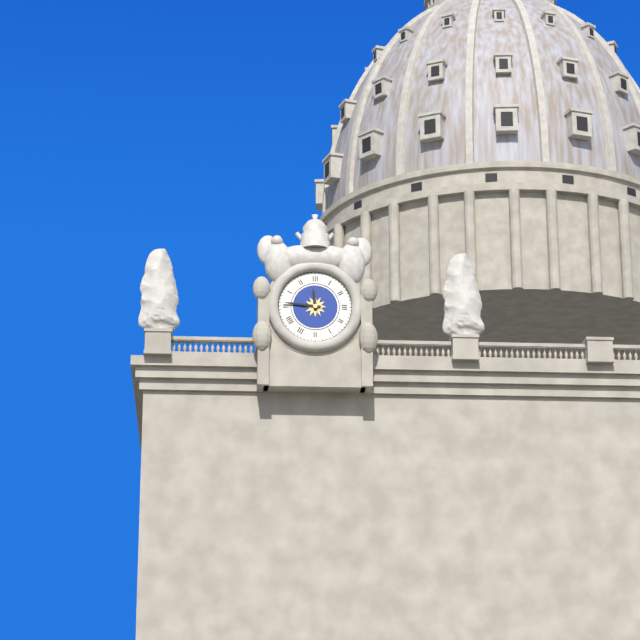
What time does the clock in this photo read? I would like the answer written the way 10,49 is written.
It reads 11,46
